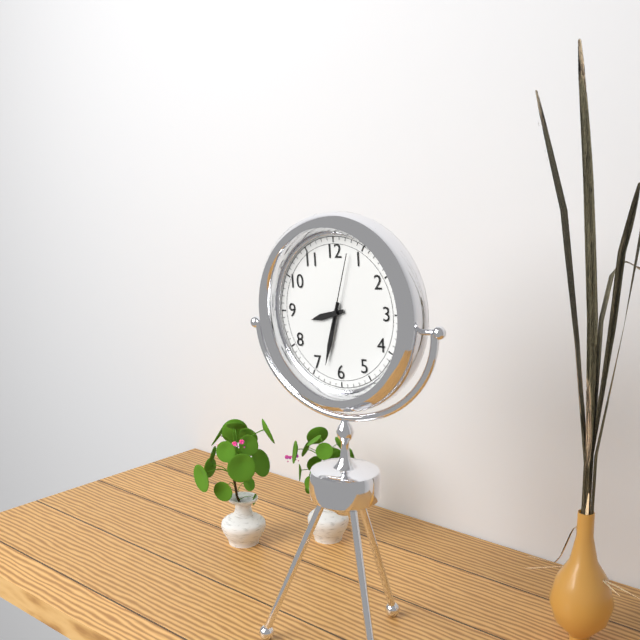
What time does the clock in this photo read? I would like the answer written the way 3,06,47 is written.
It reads 8,33,03
